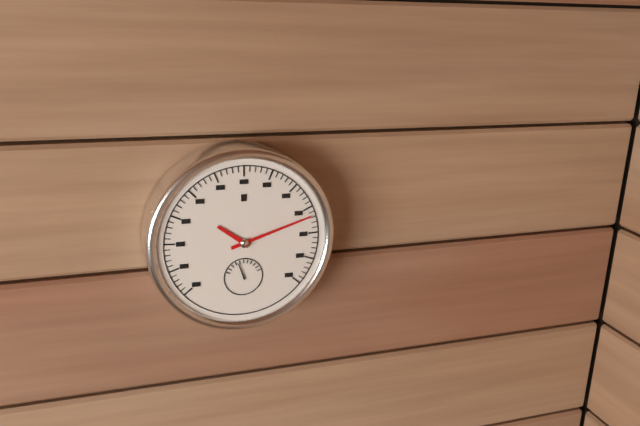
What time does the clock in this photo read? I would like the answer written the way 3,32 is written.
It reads 10,12
